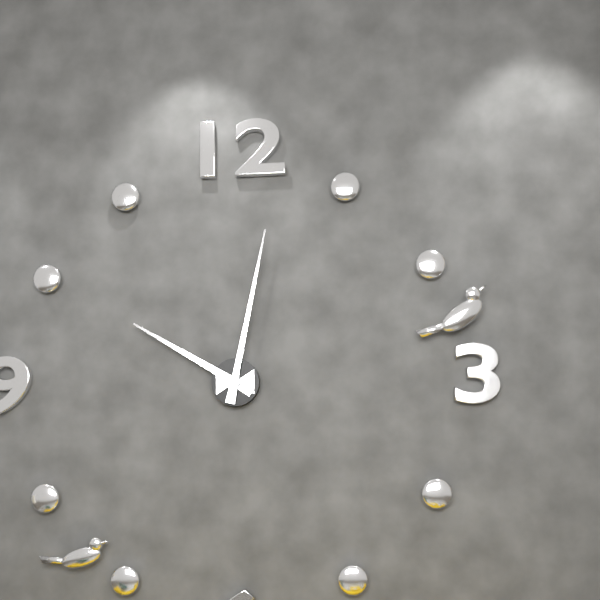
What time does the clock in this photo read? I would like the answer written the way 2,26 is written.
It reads 10,02
